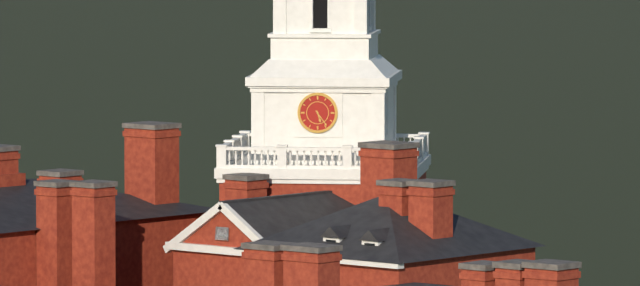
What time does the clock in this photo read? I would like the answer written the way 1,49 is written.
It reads 5,24
